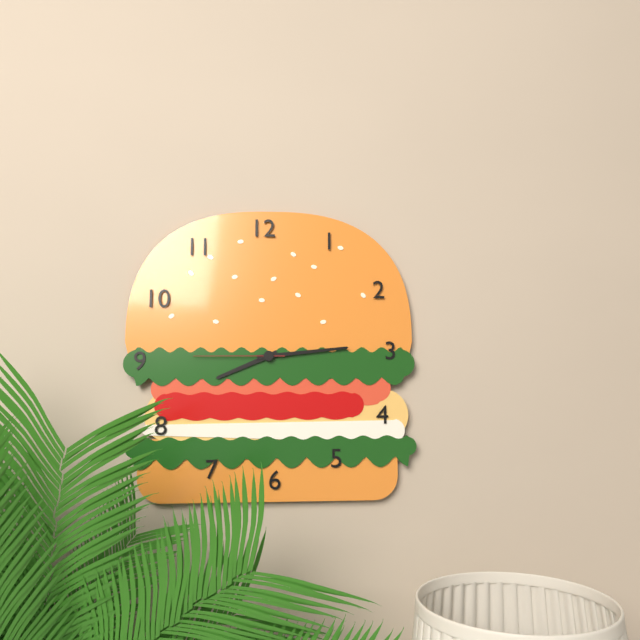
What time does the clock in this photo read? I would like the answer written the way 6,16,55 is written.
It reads 8,14,45
